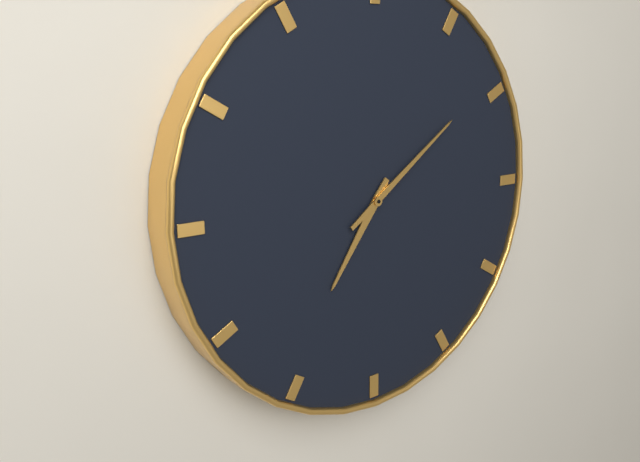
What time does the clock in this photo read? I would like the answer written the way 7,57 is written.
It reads 7,09
